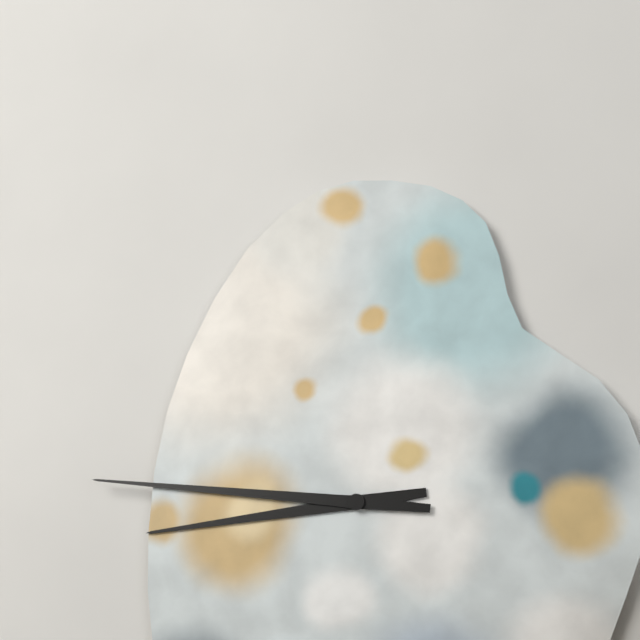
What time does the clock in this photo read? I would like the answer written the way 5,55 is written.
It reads 8,46
